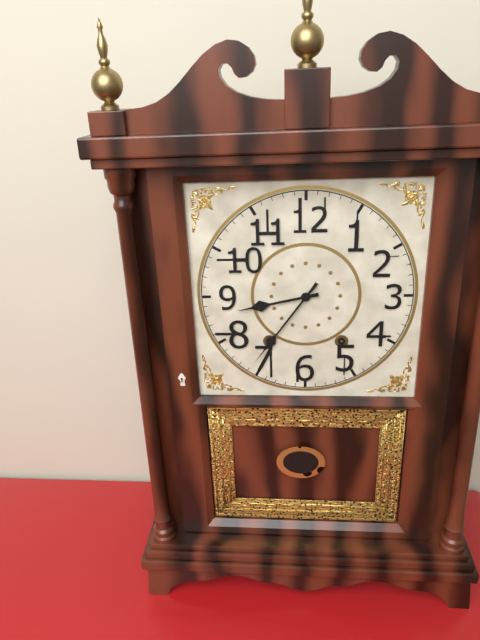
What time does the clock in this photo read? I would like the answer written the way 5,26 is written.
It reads 8,36
